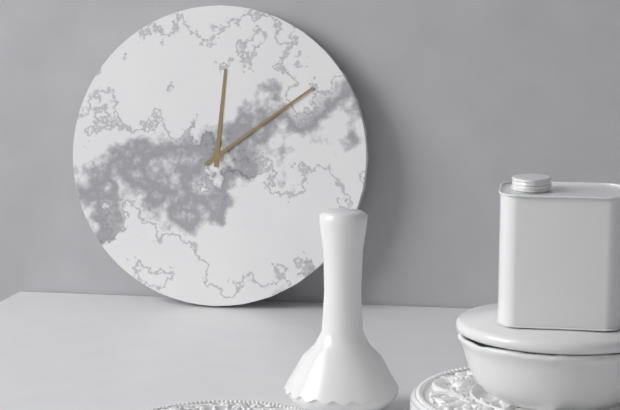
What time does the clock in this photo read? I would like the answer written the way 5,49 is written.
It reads 12,09
